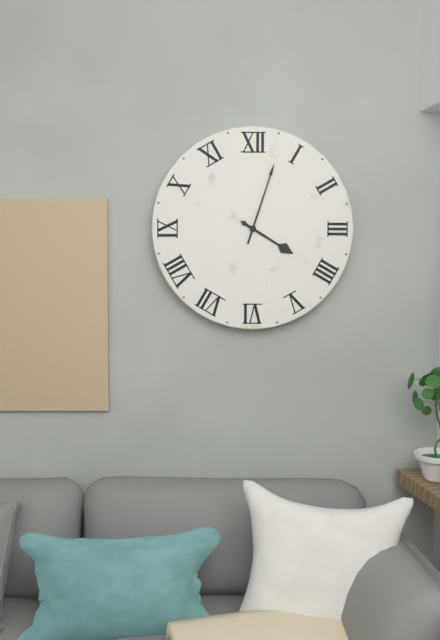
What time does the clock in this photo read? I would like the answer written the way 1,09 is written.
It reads 4,03
